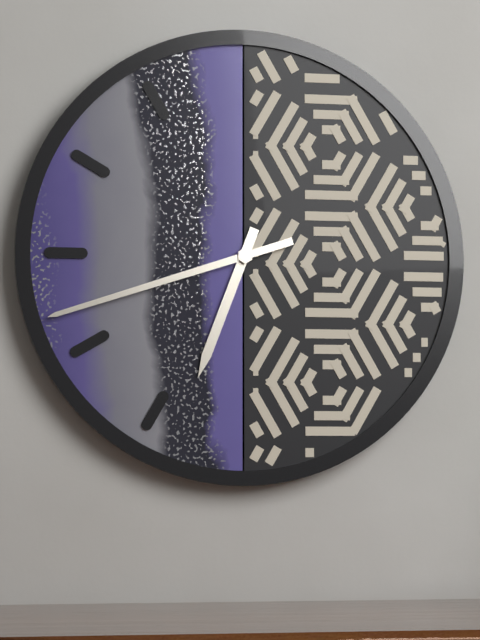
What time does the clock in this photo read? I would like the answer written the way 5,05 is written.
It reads 6,42
